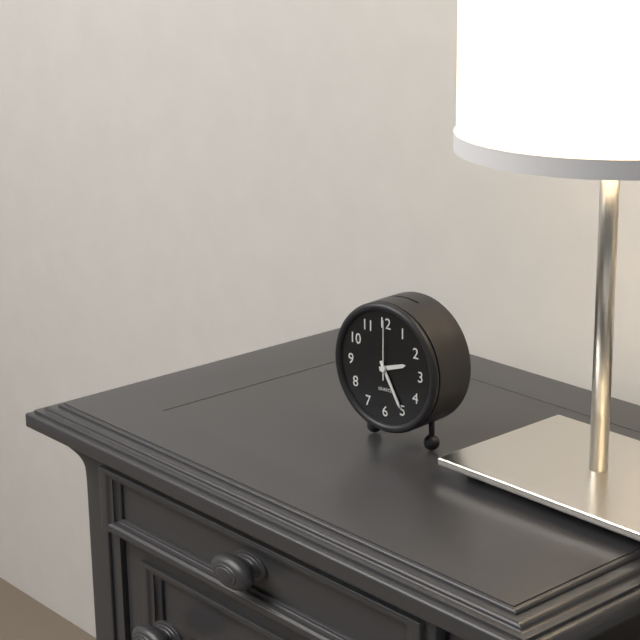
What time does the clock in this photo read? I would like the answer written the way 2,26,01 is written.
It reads 2,25,00
